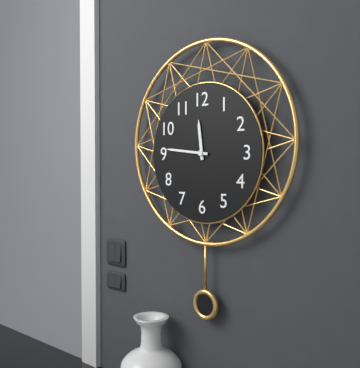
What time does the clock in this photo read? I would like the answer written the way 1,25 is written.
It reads 11,46
